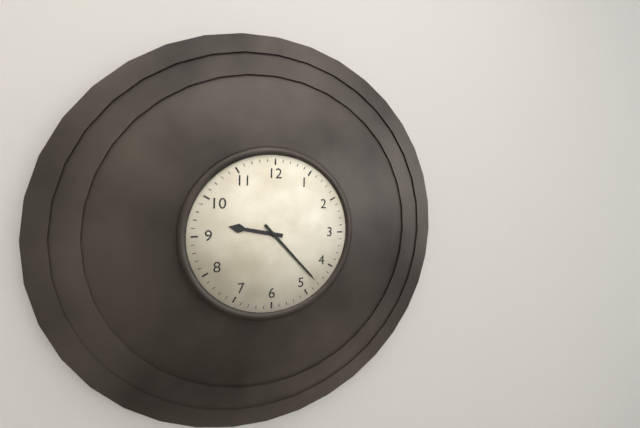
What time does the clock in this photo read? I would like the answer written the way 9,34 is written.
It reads 9,23
